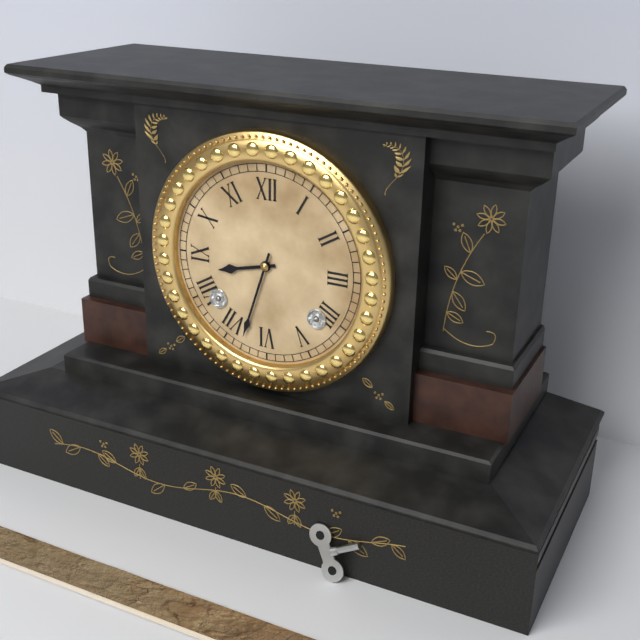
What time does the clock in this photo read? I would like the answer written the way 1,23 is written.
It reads 8,33
